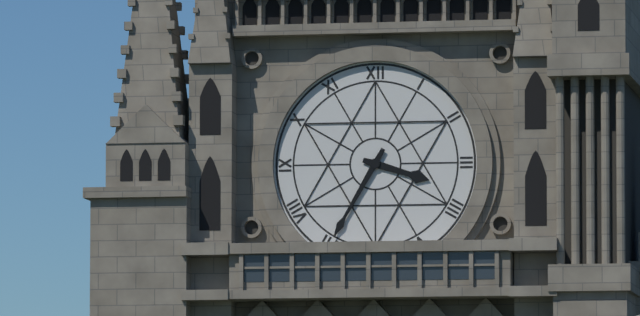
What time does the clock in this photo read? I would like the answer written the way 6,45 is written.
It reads 3,35
